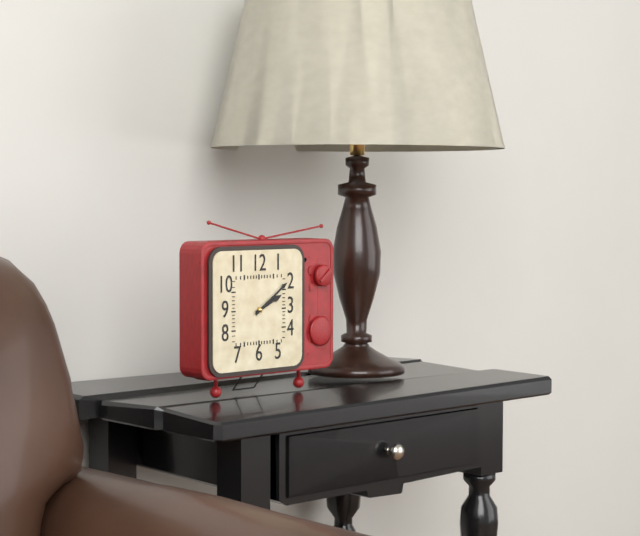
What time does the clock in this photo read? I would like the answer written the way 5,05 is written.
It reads 2,09
